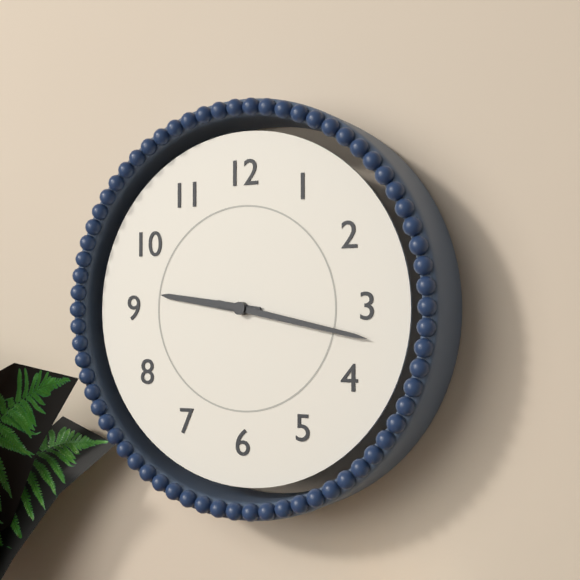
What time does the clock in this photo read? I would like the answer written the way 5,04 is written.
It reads 9,17
